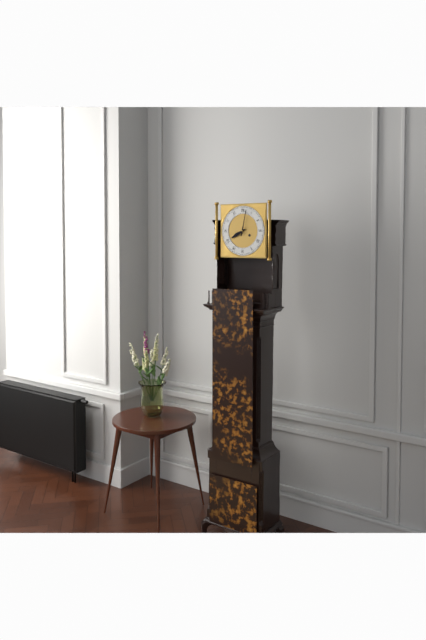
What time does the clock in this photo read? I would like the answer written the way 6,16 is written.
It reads 8,02
